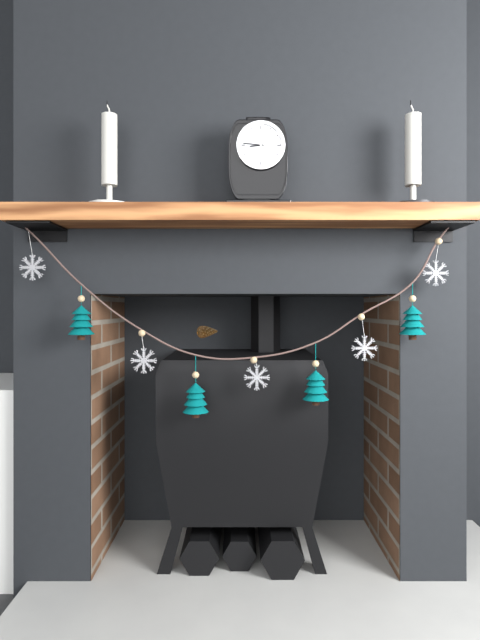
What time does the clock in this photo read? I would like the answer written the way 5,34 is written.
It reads 8,46
